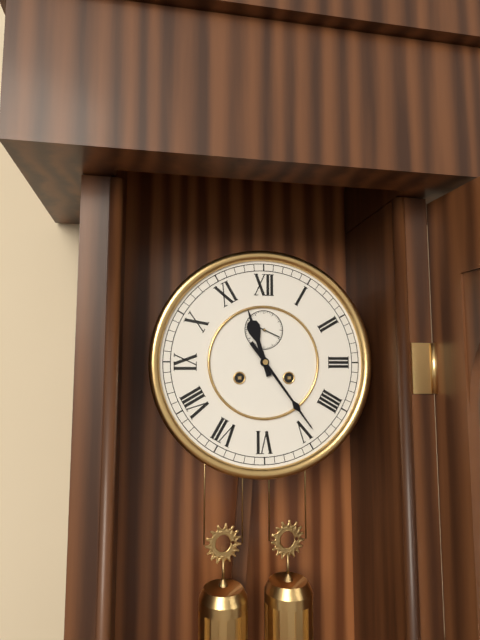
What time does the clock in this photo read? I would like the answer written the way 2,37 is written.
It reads 11,24
